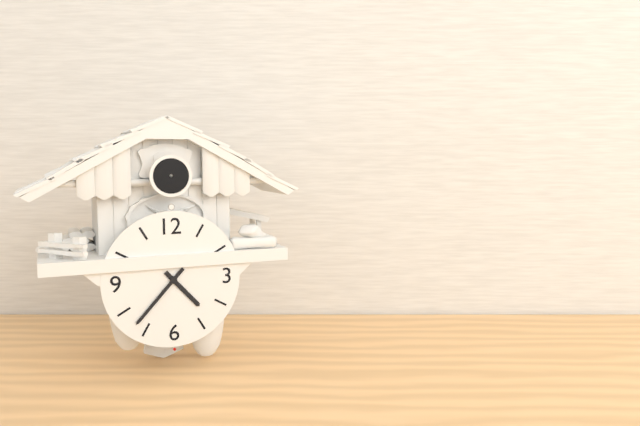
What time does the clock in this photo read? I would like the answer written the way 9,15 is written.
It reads 4,37
